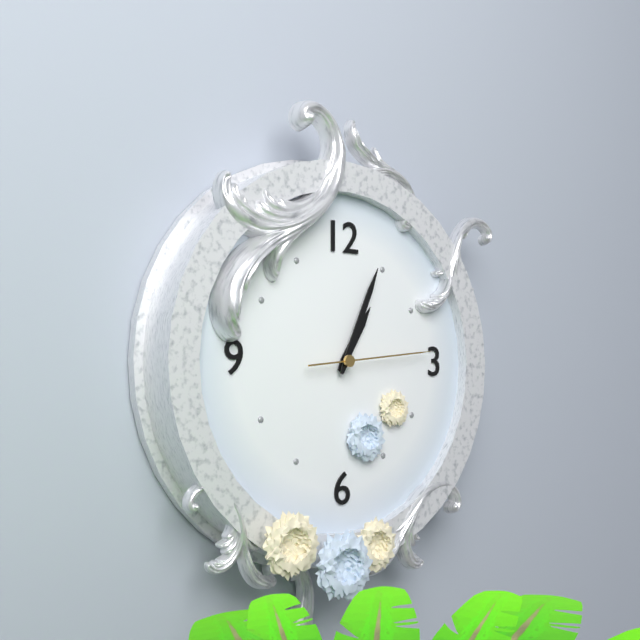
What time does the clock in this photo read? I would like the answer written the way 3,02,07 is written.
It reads 1,04,14
